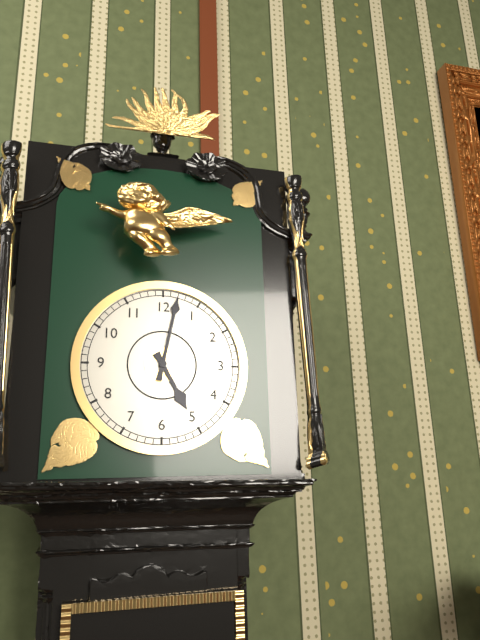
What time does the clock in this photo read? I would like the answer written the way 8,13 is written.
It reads 5,02
